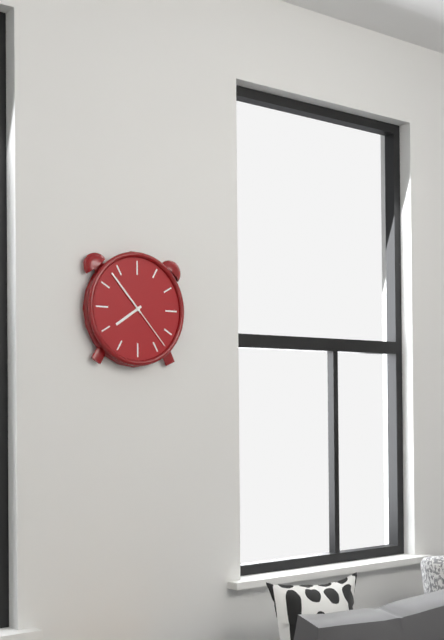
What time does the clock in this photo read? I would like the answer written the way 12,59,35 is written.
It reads 7,53,23
